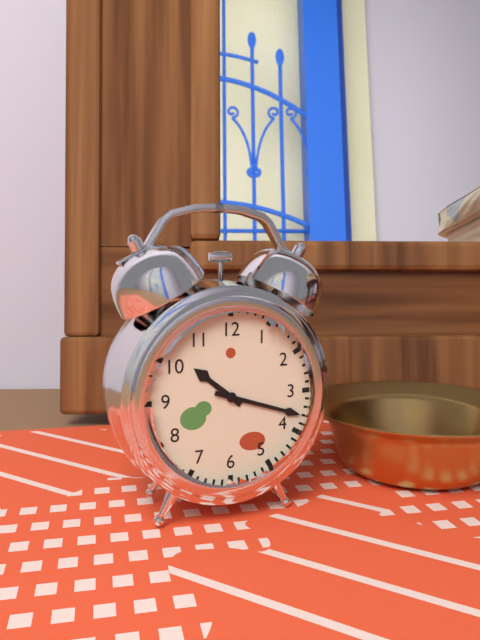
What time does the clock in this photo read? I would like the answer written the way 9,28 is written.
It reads 10,18
